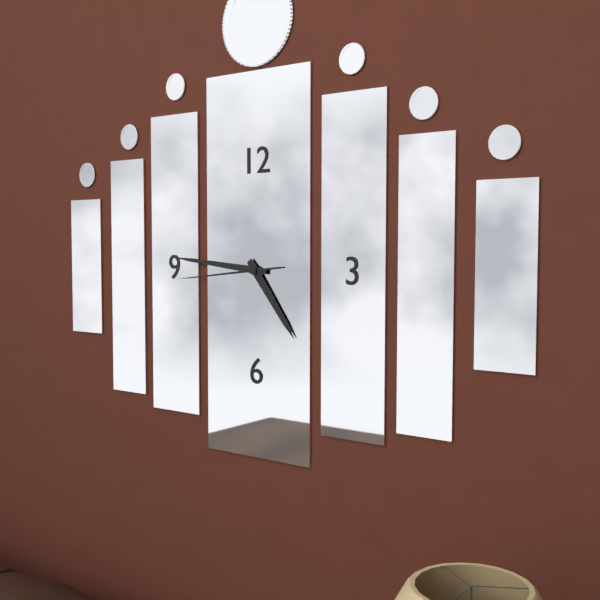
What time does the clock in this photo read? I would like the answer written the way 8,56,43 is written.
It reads 4,46,44
